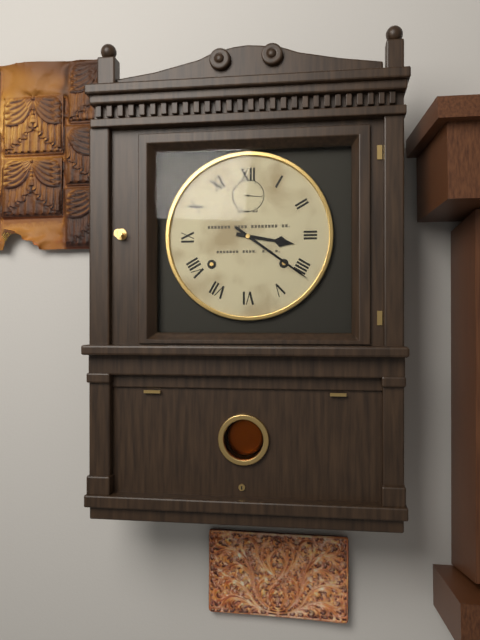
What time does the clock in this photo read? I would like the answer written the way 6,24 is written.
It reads 3,21
